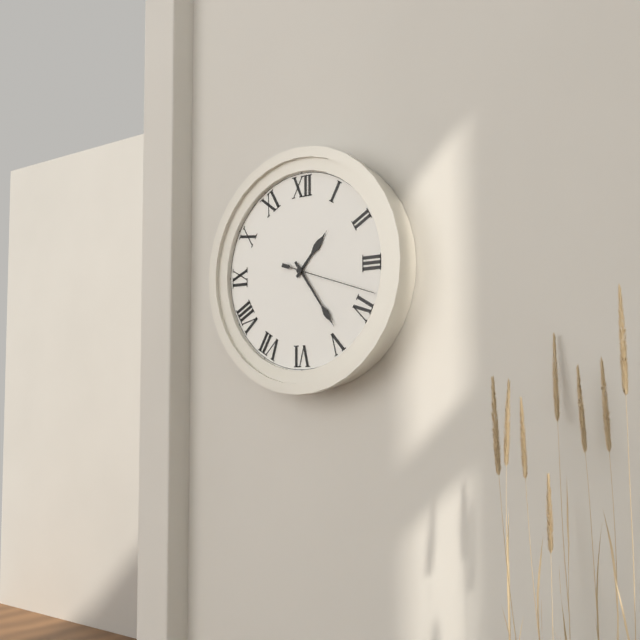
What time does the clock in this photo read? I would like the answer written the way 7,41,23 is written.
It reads 1,24,18
